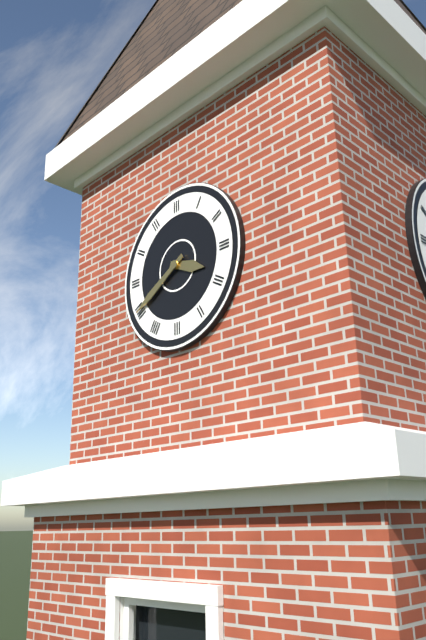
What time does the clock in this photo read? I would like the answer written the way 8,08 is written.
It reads 3,40
